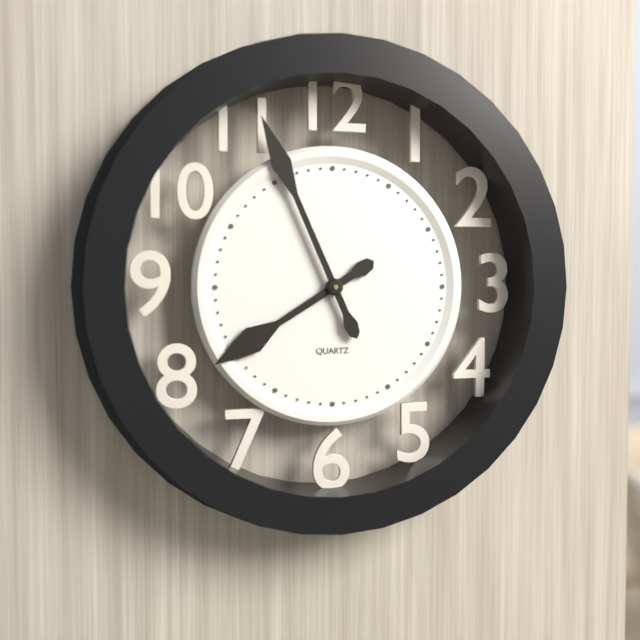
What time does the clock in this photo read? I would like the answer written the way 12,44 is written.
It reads 7,56
